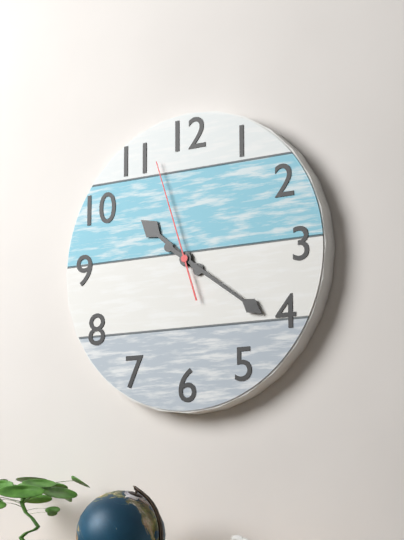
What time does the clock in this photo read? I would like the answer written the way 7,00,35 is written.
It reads 10,21,57
